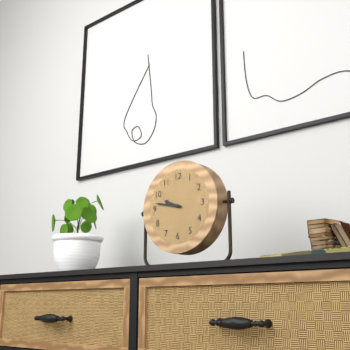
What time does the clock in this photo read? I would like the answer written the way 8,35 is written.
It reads 9,47
